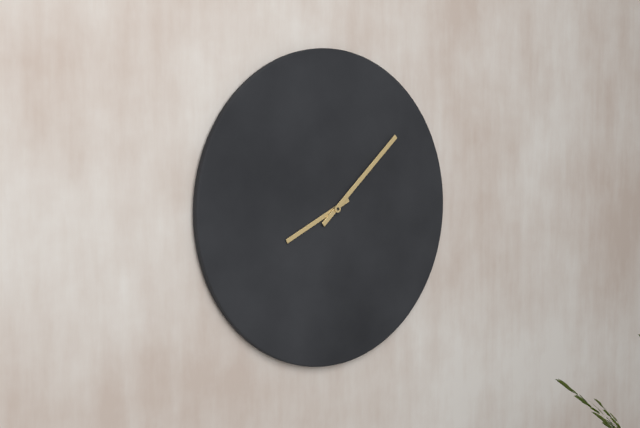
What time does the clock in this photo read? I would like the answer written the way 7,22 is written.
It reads 8,08
